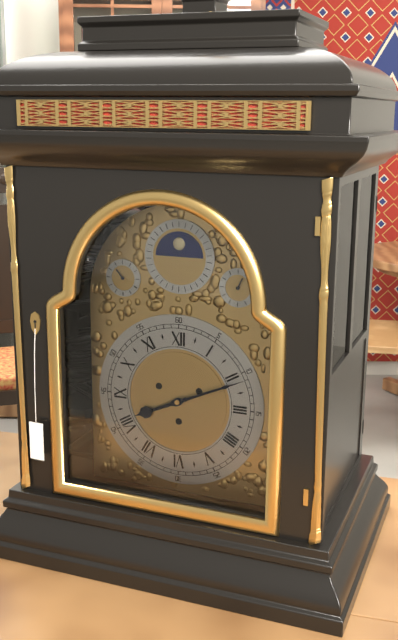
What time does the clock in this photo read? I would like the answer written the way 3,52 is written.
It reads 8,11
